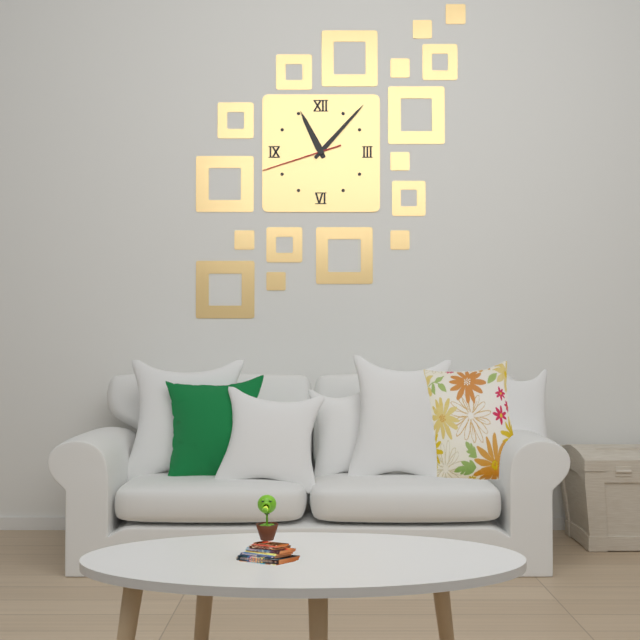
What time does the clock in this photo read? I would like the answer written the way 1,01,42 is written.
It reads 11,07,42
